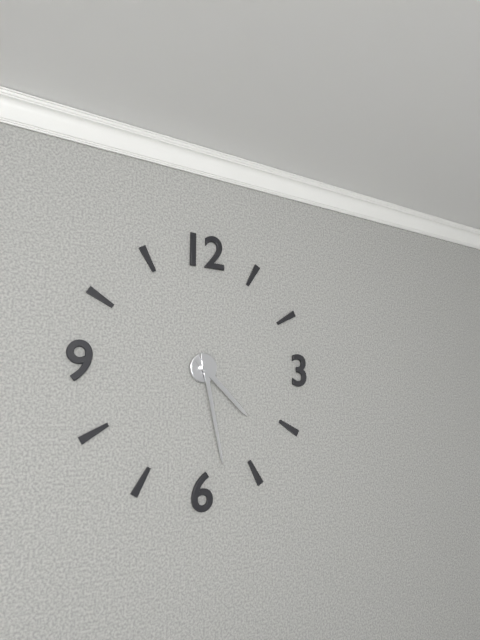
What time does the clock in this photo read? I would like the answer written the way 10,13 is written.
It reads 4,28
